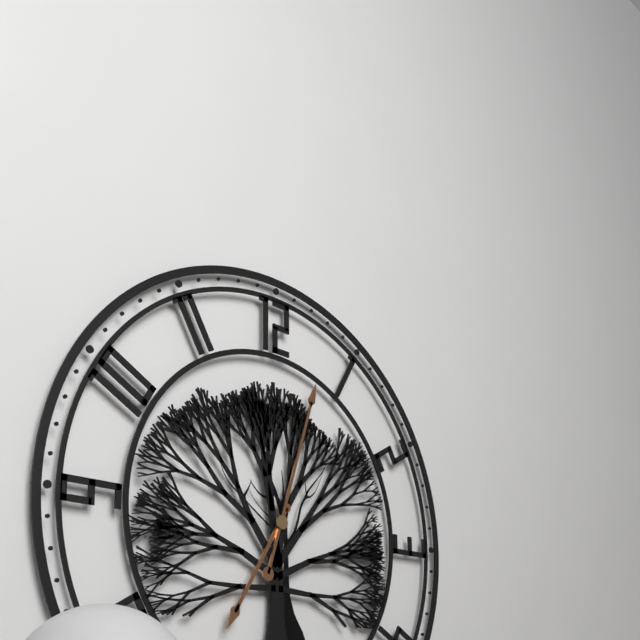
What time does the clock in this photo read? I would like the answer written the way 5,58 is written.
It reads 7,03
